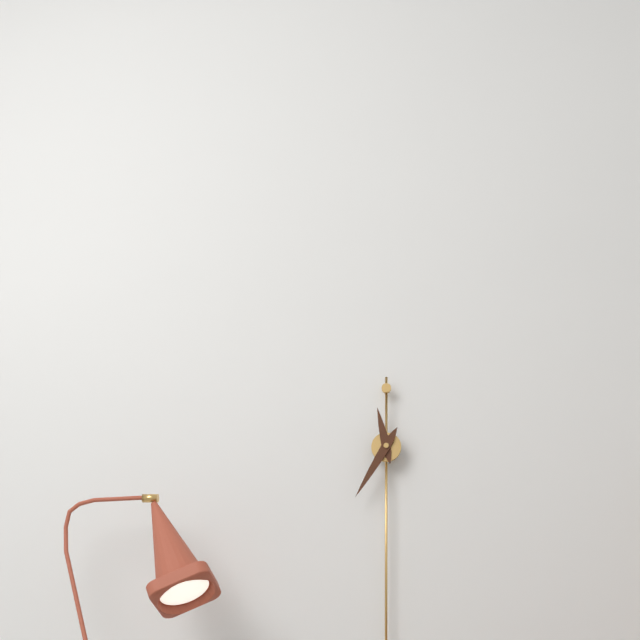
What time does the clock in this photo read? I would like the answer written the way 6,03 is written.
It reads 11,35
